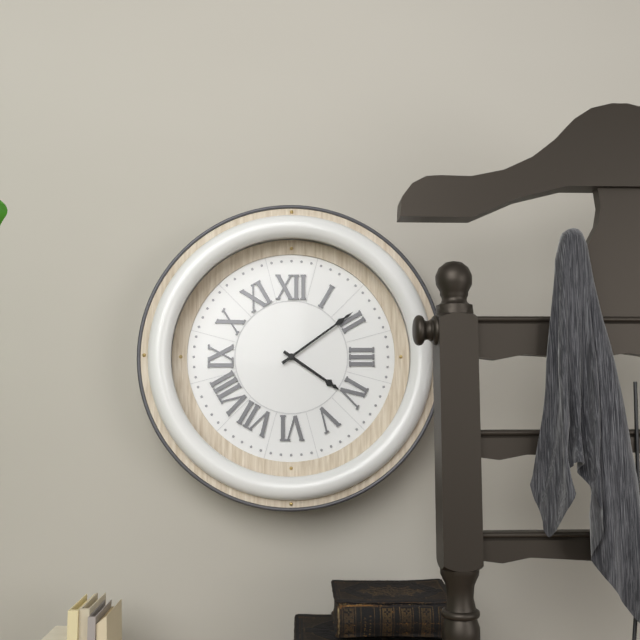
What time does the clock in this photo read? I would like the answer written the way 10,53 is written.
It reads 4,09
